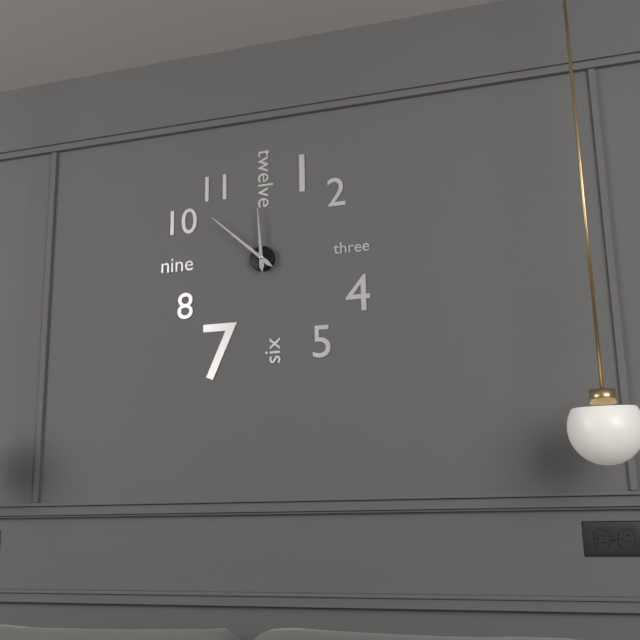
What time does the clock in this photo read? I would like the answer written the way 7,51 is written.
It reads 11,52
